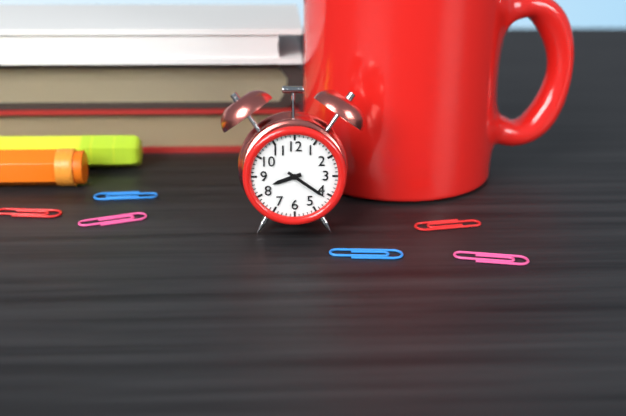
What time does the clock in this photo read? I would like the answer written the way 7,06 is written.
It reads 8,21
